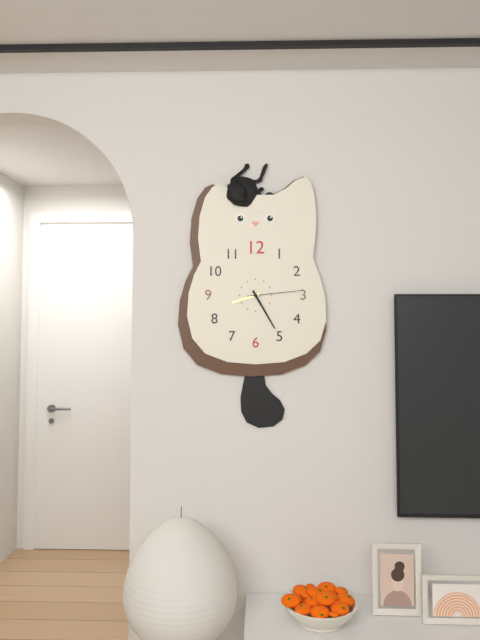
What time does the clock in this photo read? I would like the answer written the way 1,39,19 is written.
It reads 8,25,14
